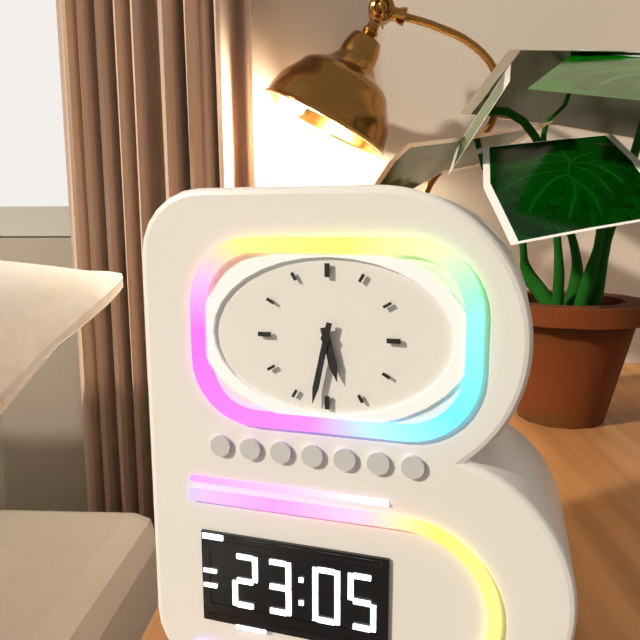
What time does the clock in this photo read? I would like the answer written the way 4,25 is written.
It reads 5,32
